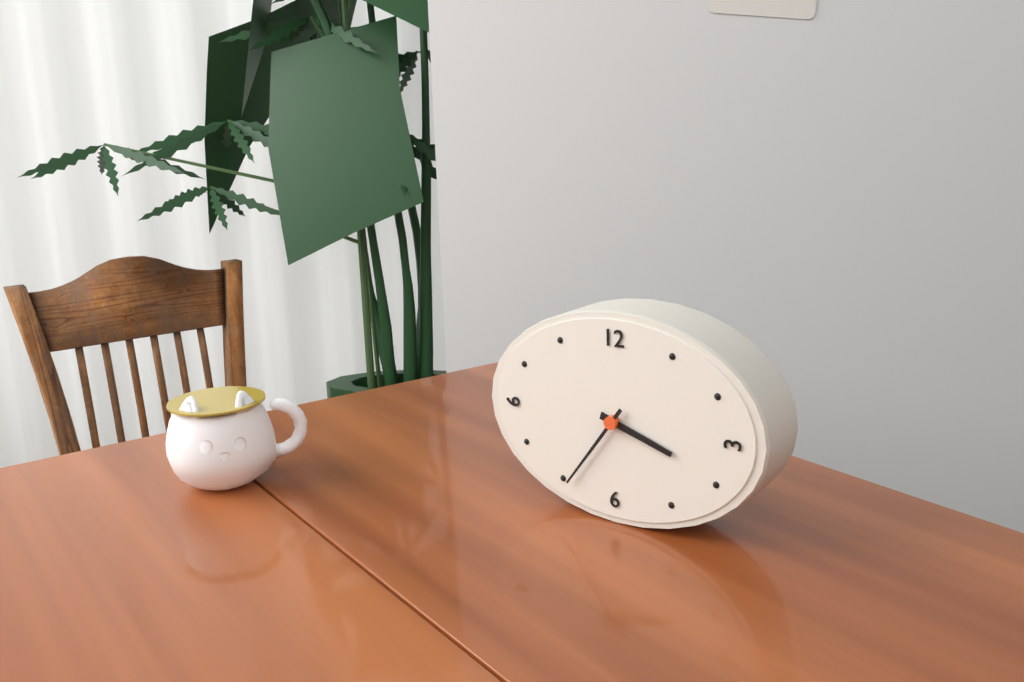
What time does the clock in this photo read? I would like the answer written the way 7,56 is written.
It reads 3,36
